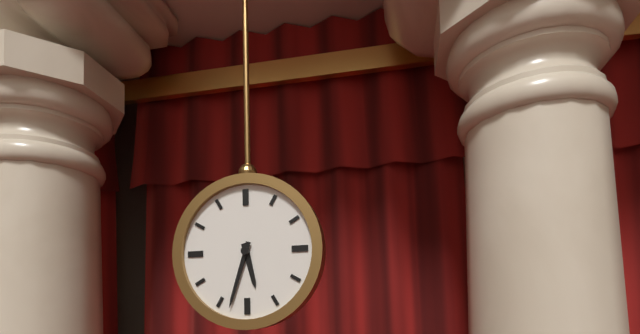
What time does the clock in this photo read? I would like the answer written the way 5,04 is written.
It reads 5,33
